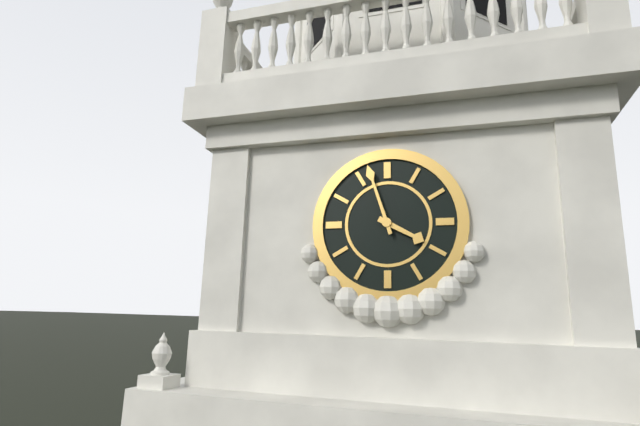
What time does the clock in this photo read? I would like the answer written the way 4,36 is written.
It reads 3,57
